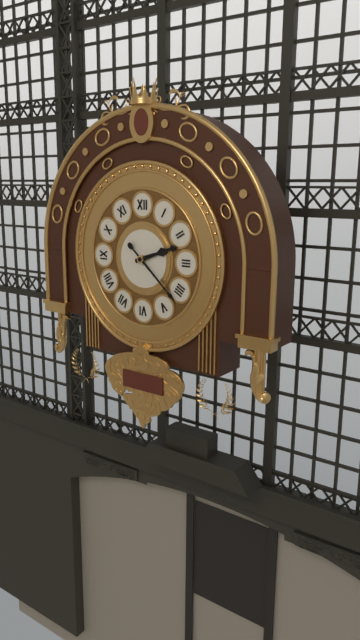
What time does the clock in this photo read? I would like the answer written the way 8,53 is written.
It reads 2,22
